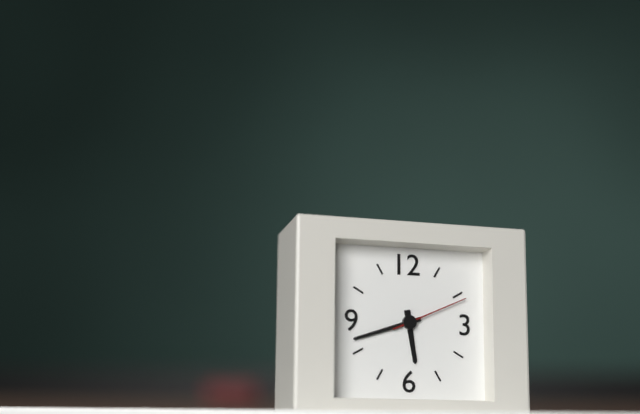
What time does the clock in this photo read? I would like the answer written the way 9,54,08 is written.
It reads 5,42,11
